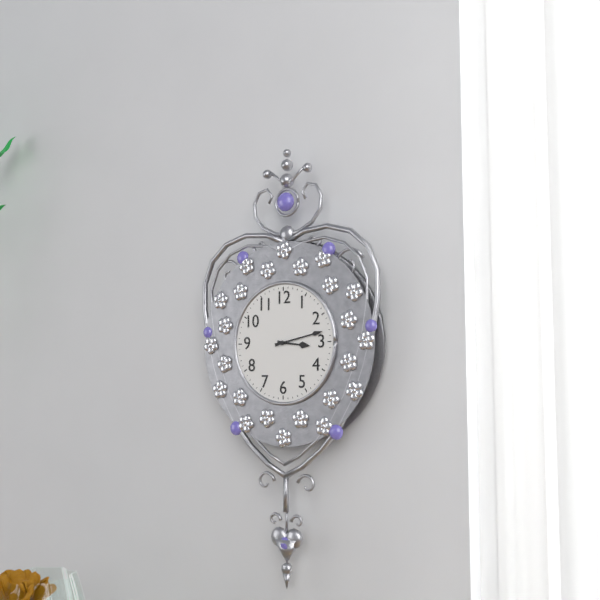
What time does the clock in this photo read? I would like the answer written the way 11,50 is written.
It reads 3,13
